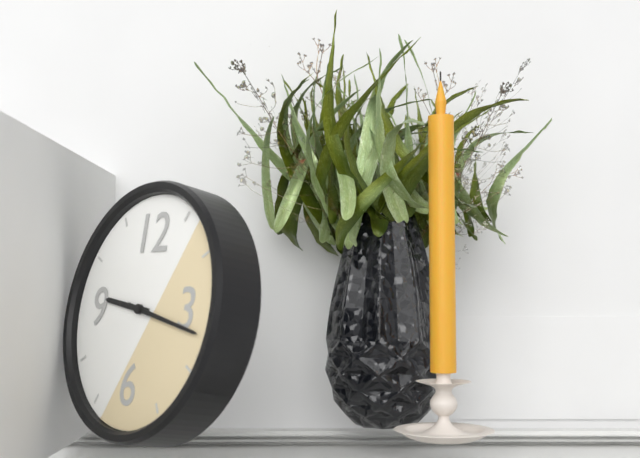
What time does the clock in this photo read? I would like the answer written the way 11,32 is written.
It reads 9,17
